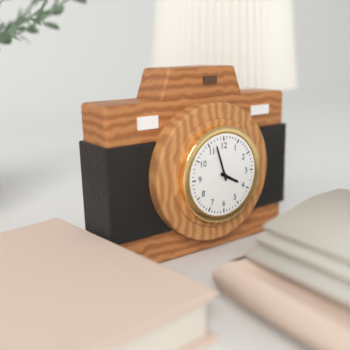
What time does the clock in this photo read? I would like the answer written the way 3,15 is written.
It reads 3,57
